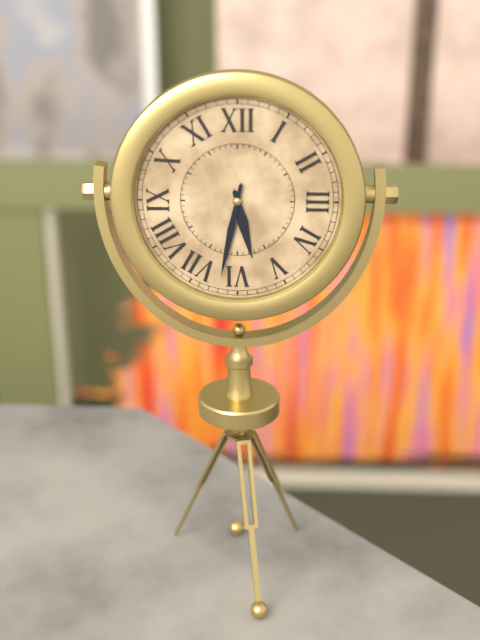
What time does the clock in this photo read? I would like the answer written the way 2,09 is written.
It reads 5,32
